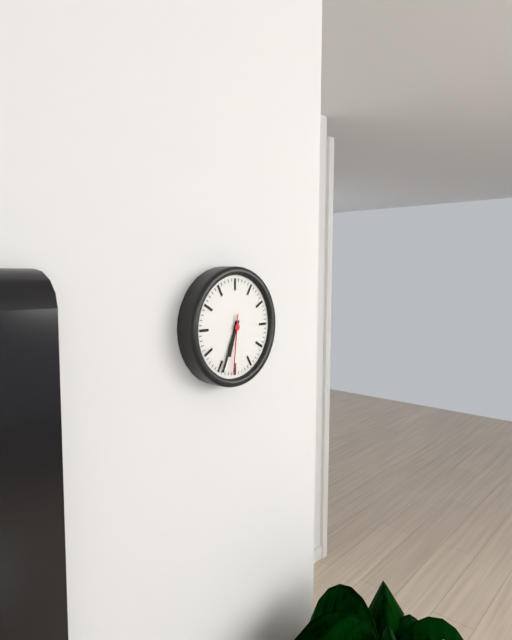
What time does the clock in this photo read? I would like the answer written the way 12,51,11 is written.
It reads 6,34,31
